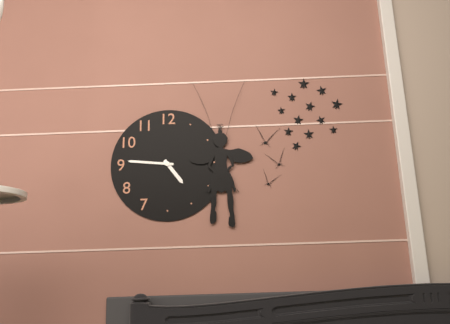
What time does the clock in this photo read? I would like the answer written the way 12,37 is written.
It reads 4,46
